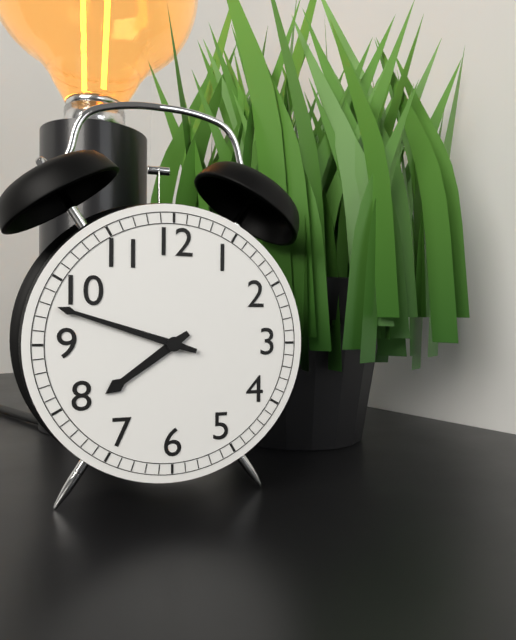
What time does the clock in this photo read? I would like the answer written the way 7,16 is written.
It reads 7,48
